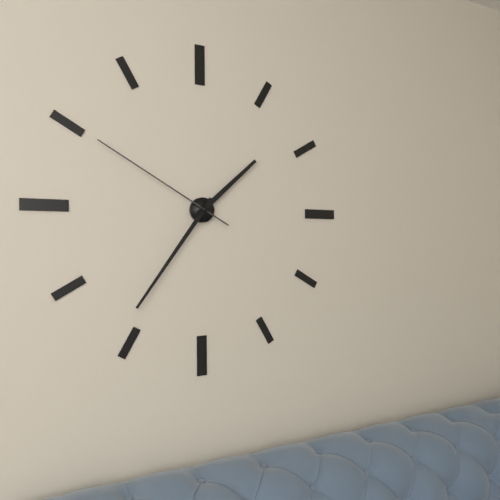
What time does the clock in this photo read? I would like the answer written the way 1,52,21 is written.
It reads 1,36,50
